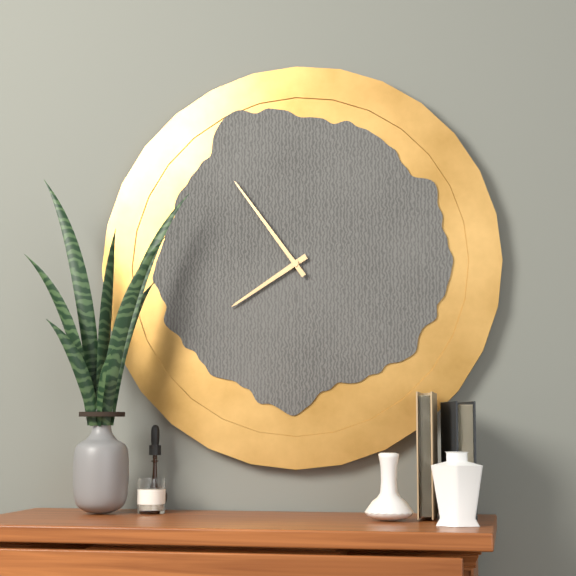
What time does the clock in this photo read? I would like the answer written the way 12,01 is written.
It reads 7,54
